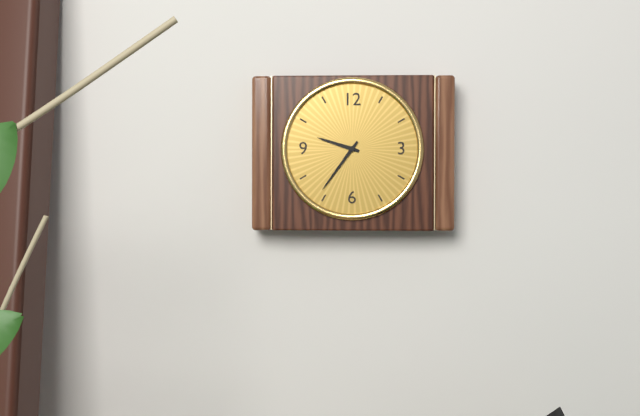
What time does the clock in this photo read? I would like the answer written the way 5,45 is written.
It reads 9,36
